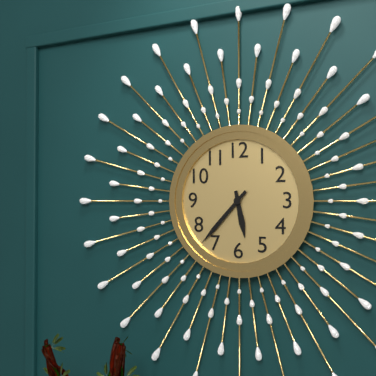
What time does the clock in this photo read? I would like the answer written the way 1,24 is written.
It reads 5,37
